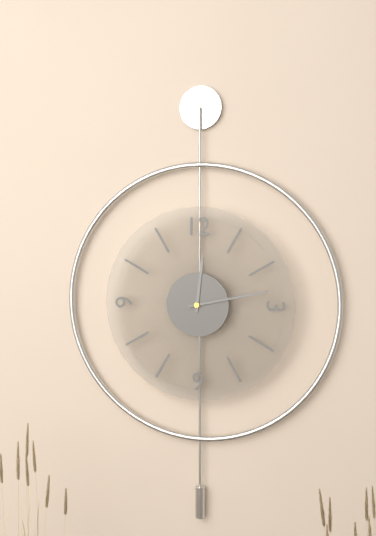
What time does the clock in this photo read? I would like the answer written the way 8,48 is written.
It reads 12,13
